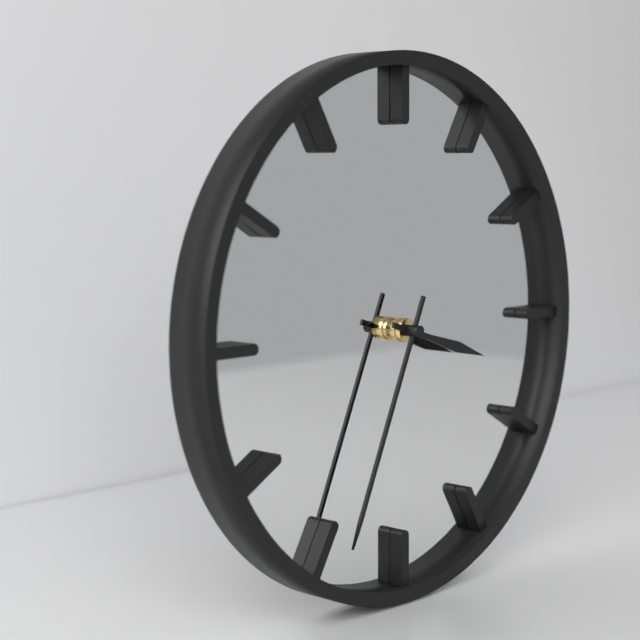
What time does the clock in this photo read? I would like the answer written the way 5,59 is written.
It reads 3,34
